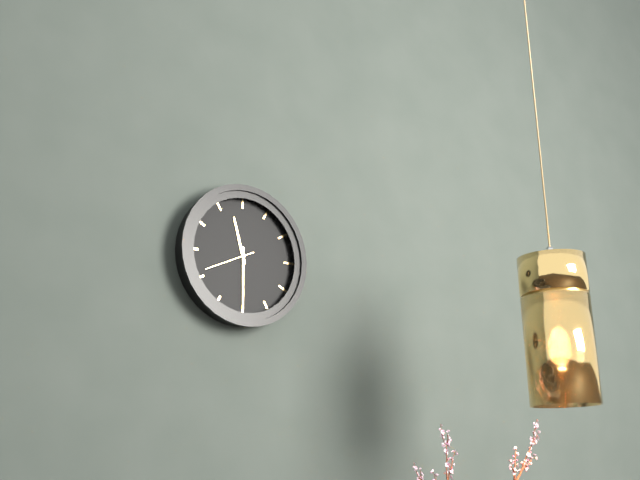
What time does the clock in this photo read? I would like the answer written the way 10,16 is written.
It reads 11,30
